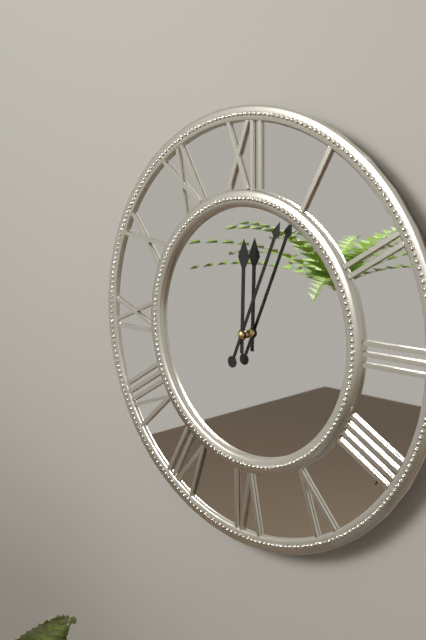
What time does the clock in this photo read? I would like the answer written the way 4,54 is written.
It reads 12,04
